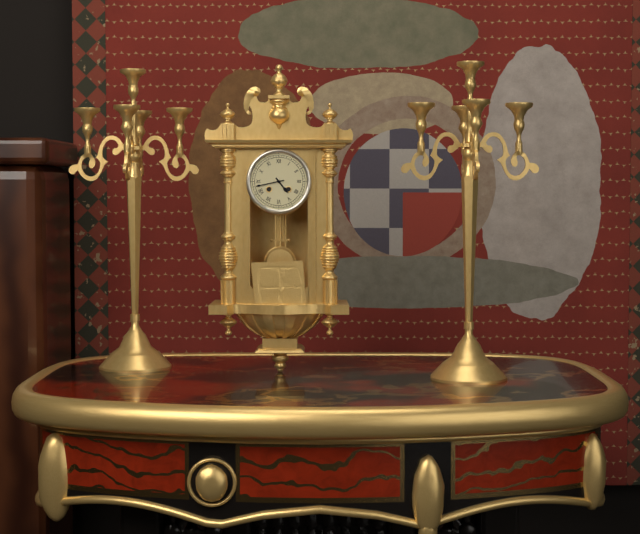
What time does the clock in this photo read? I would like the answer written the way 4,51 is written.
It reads 4,43
